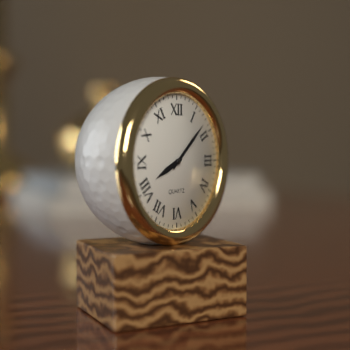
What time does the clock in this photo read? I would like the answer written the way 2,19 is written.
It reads 8,08
